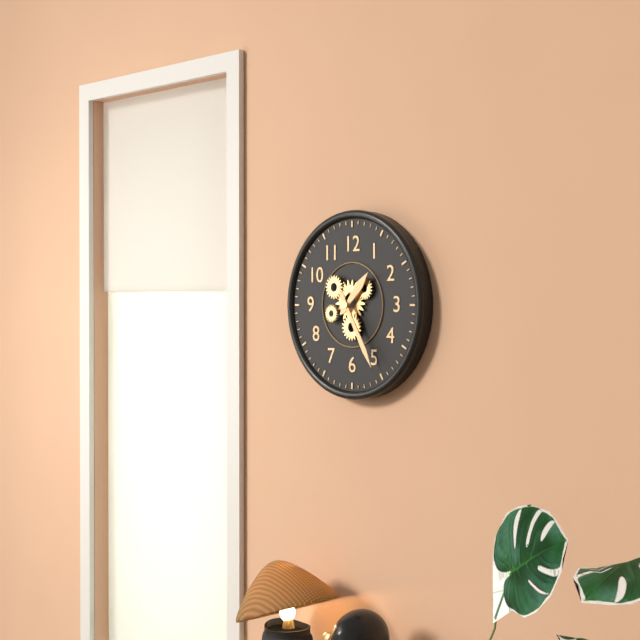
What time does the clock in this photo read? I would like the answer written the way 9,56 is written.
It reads 1,25
